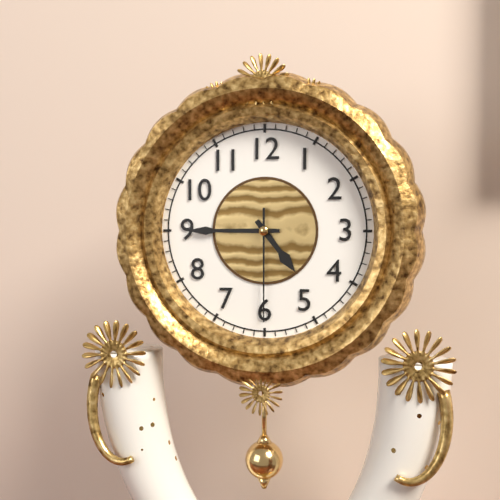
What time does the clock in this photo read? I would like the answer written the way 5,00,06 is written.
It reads 4,45,30
